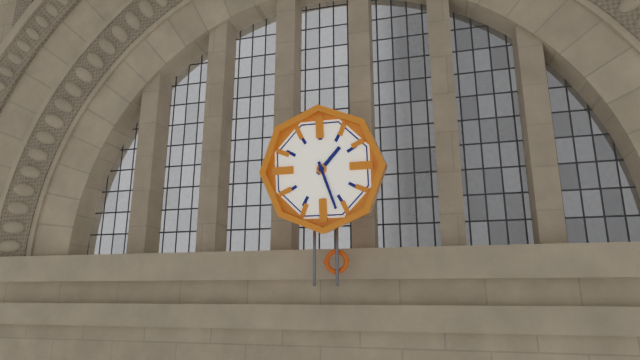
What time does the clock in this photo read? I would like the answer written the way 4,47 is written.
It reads 1,27
